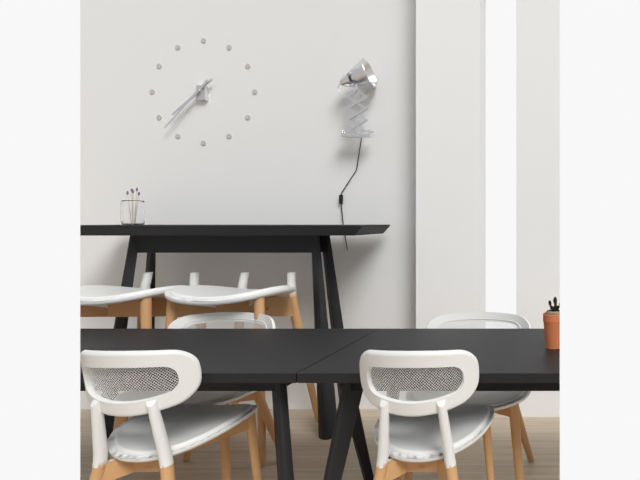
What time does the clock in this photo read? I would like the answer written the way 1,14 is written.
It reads 7,37
